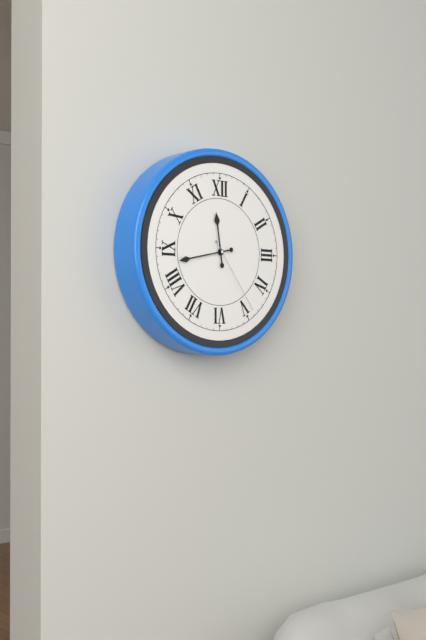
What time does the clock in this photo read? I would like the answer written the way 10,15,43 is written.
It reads 11,43,24
